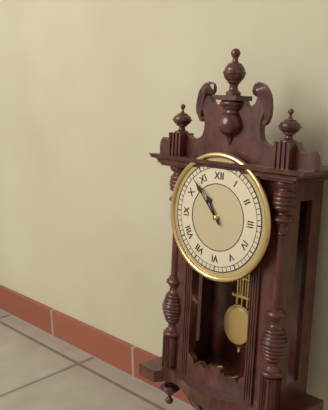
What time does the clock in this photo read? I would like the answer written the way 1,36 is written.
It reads 10,53
